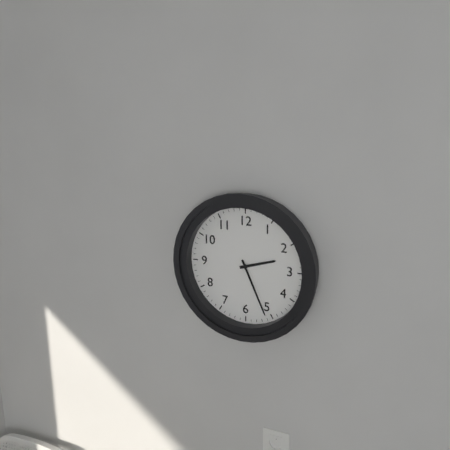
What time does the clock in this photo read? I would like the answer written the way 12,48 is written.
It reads 2,26
